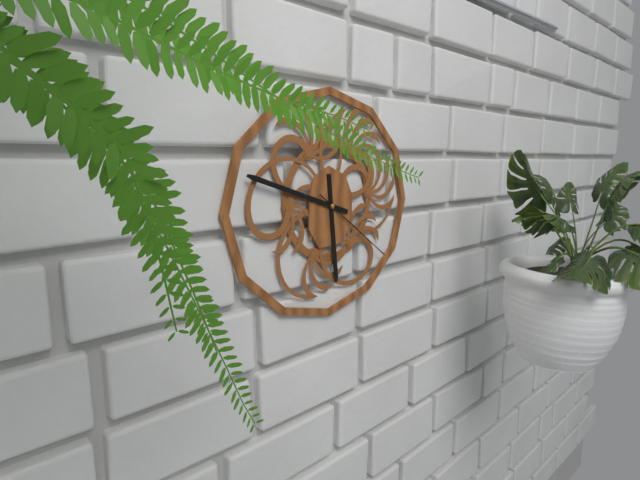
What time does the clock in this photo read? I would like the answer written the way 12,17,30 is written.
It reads 5,48,21
